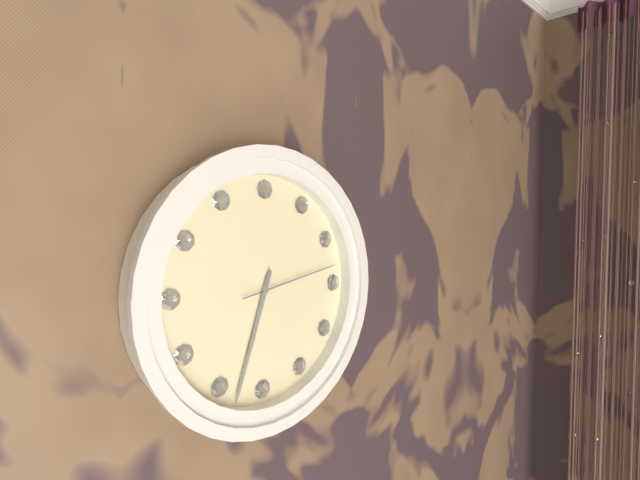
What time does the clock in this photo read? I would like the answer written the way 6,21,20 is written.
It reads 6,33,13
